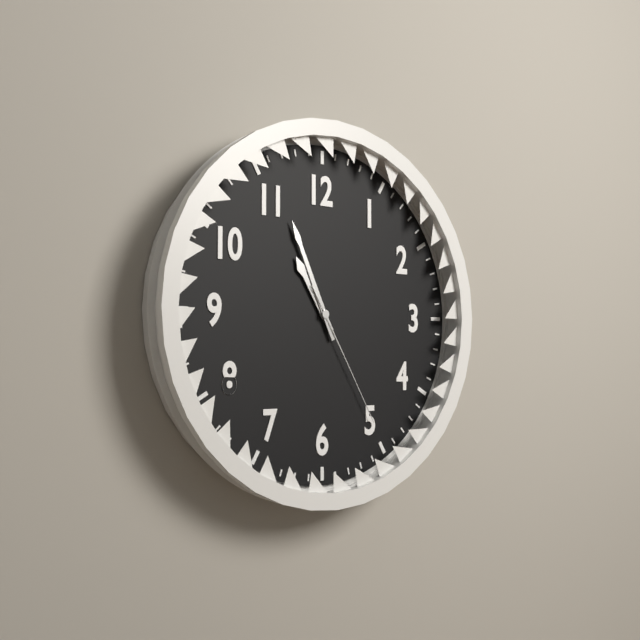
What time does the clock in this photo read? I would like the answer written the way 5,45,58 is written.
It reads 10,56,25
